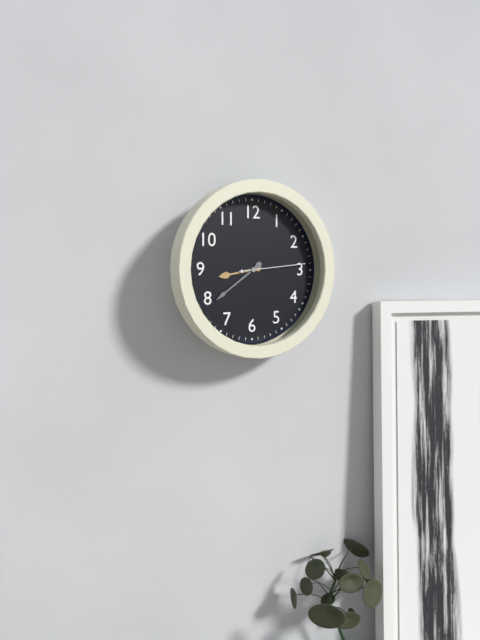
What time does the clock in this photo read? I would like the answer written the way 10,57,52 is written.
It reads 8,39,14
